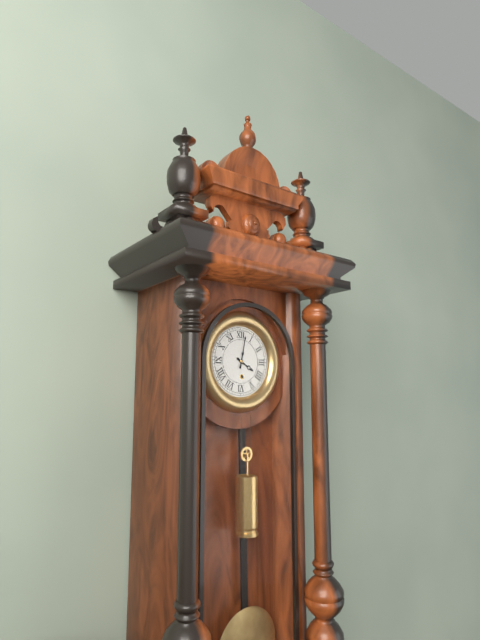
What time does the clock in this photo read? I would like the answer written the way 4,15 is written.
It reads 4,02
